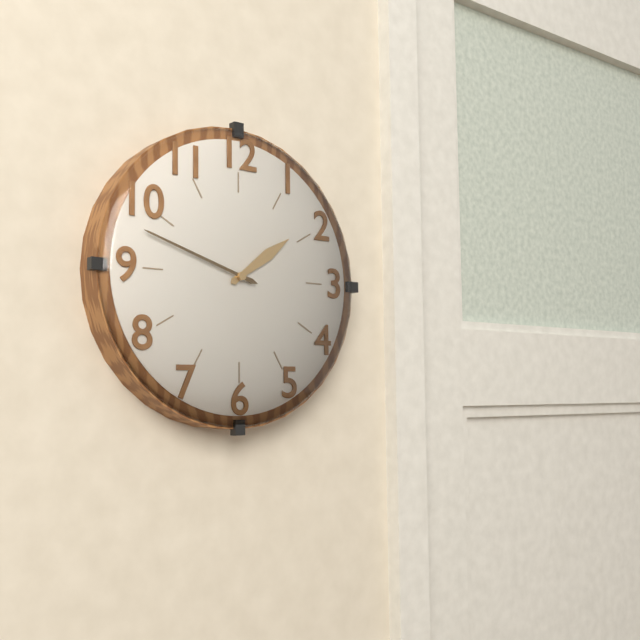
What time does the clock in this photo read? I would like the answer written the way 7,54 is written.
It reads 1,48
